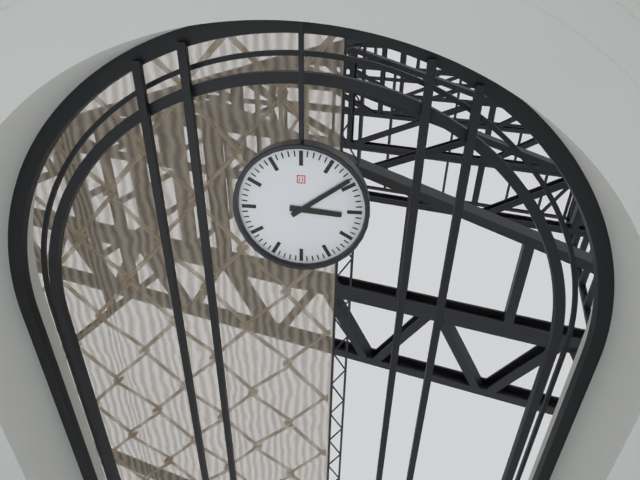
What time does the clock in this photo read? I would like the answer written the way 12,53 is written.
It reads 3,09
